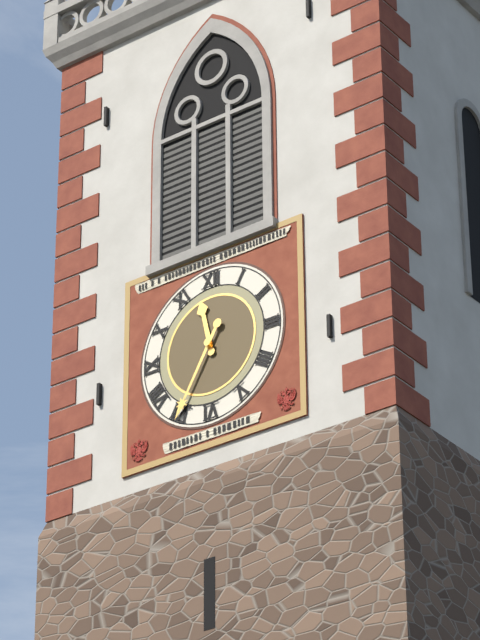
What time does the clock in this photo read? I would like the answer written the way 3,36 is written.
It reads 11,35
